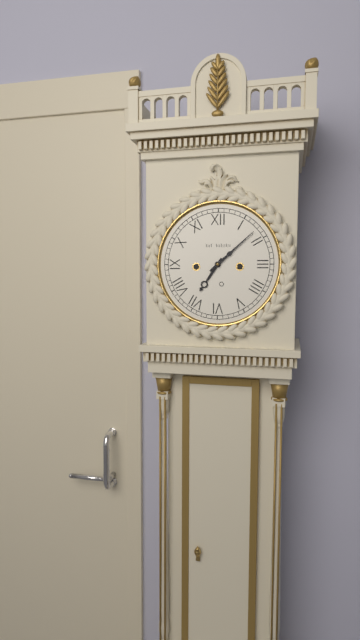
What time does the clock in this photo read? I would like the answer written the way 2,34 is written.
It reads 7,08
